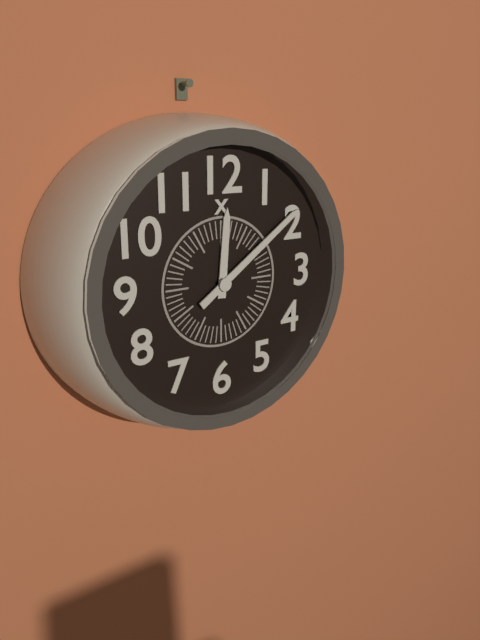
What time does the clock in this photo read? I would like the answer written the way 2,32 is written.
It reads 12,09
